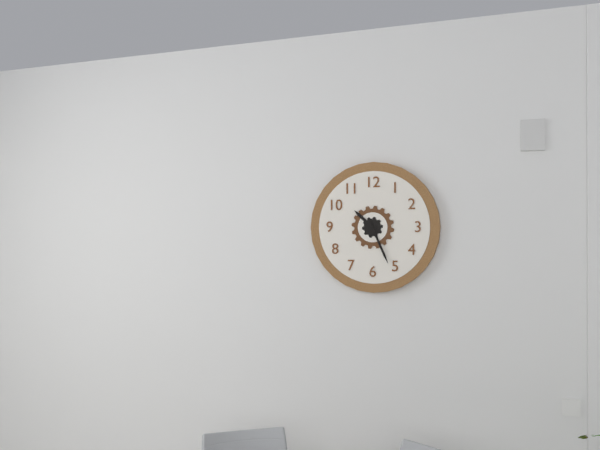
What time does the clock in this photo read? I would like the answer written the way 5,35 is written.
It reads 10,26
